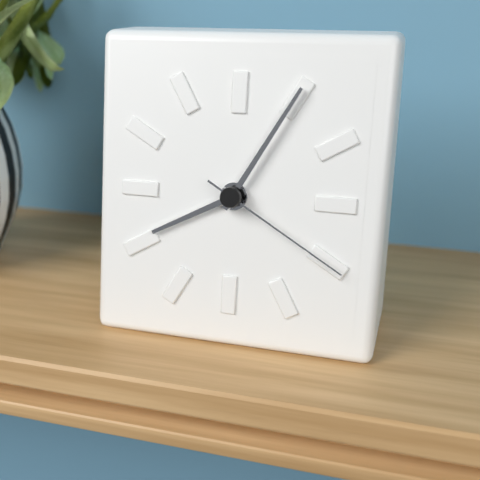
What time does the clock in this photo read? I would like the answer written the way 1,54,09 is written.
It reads 8,05,20
